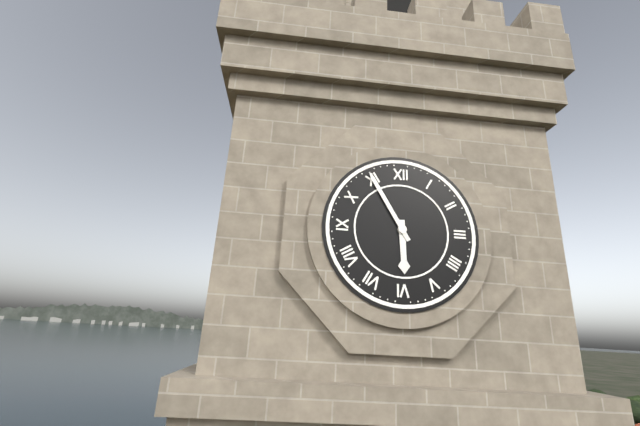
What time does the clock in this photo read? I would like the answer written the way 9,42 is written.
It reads 5,55
